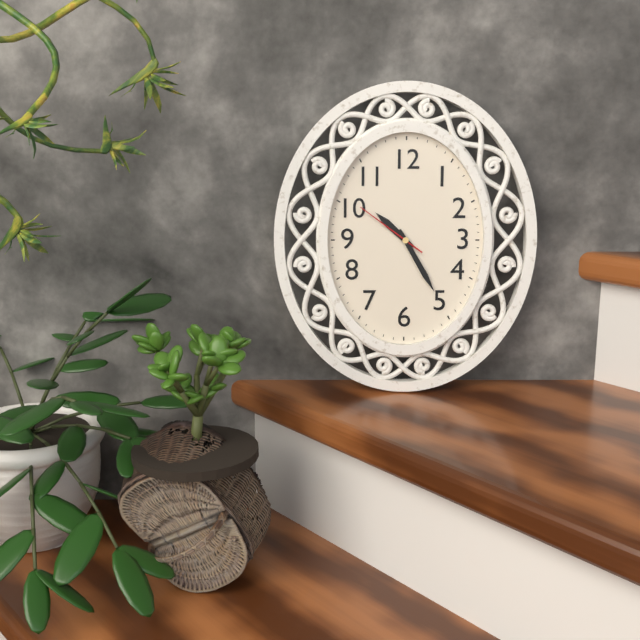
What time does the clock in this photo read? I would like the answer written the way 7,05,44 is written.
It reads 10,25,51
